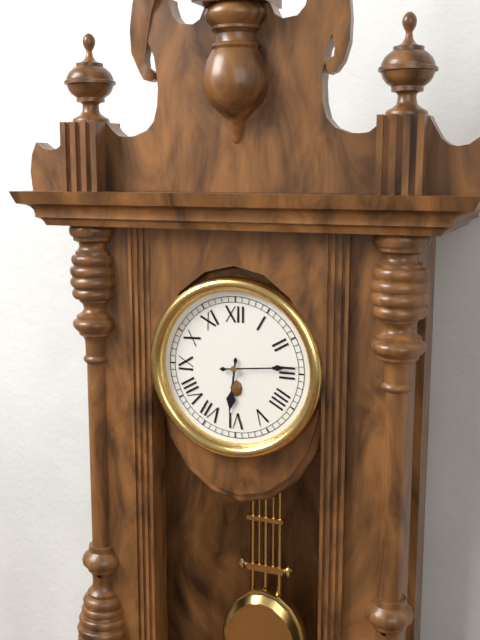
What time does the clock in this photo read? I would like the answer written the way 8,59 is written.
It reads 6,14
